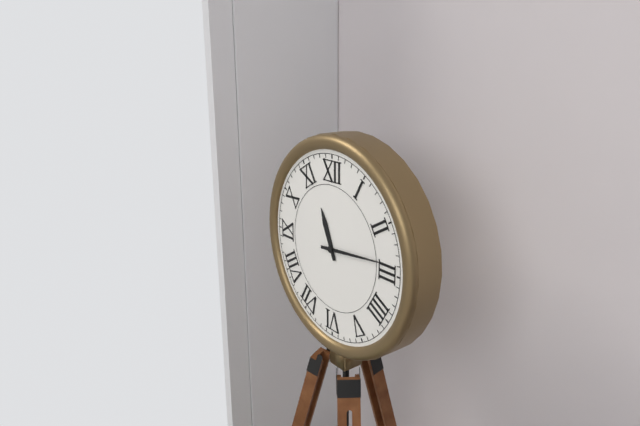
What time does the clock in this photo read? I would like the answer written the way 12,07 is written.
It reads 11,14
